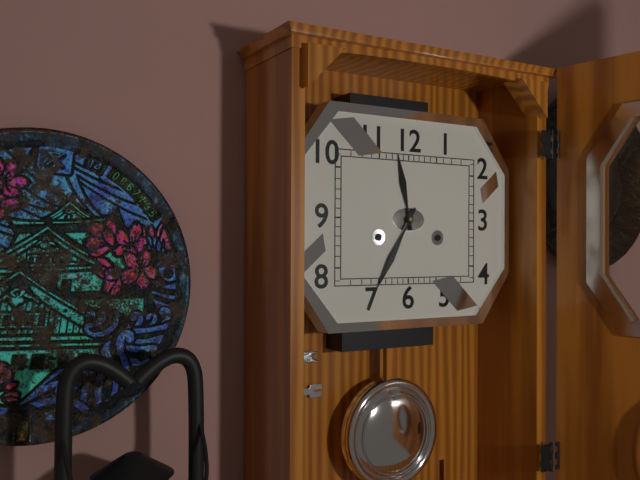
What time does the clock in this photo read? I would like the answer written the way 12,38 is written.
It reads 11,35
